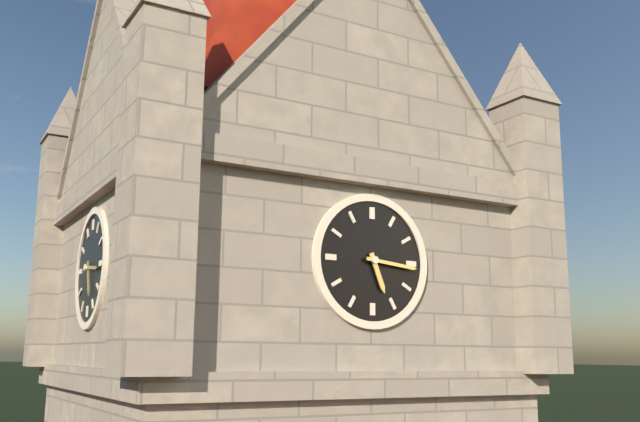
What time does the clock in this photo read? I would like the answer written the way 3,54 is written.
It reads 5,16
